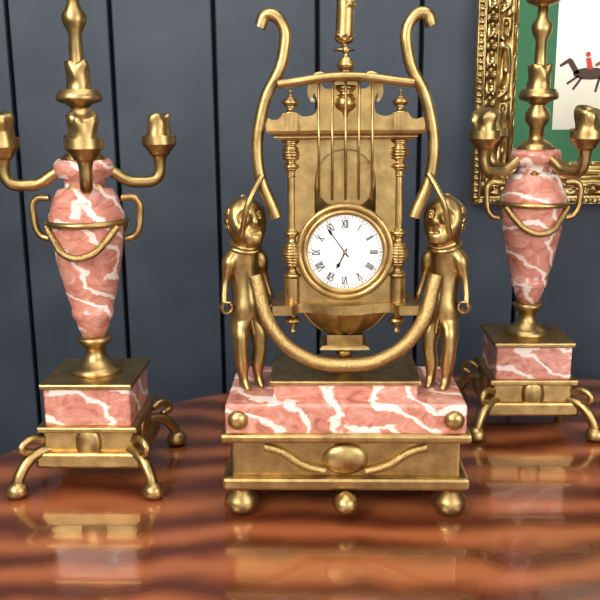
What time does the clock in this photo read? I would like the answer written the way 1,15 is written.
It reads 6,54
